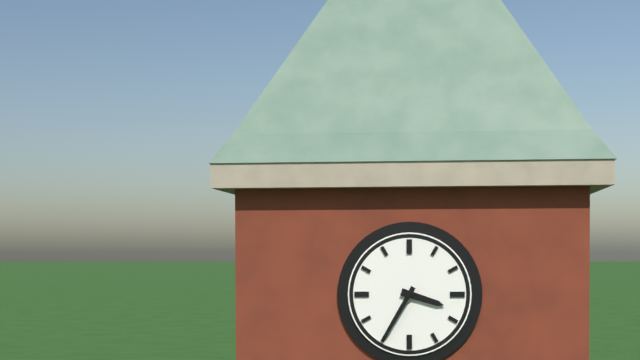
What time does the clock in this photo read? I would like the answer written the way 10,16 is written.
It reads 3,35
